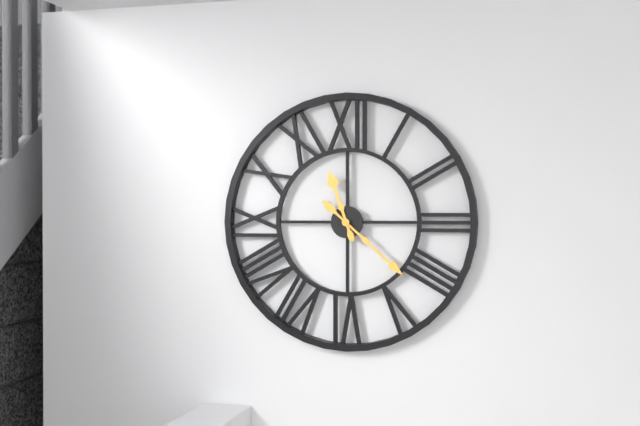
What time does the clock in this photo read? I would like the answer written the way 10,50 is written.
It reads 11,22
